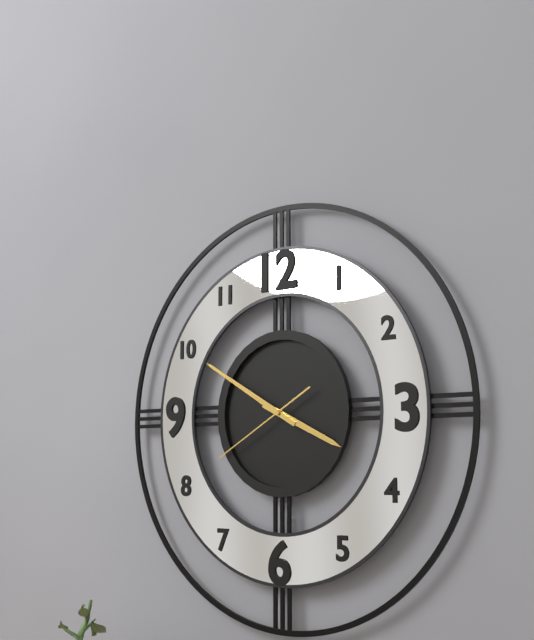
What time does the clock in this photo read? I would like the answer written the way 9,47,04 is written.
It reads 3,50,40
